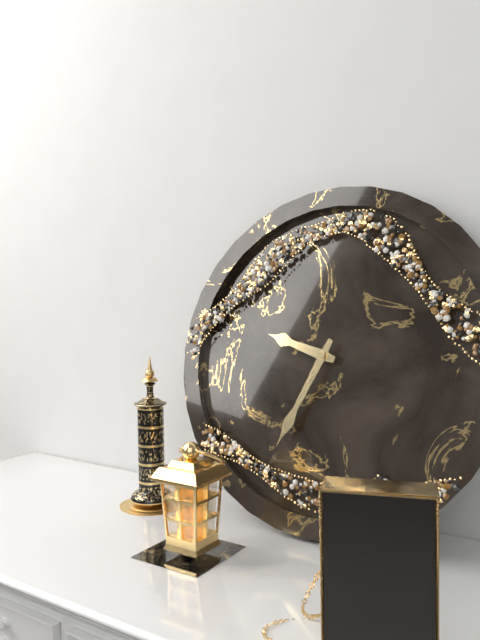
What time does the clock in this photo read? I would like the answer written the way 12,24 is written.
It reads 9,34
